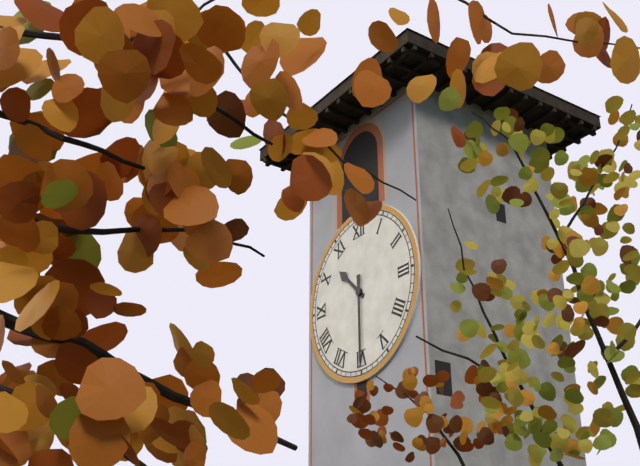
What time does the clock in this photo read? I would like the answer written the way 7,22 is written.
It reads 10,30
